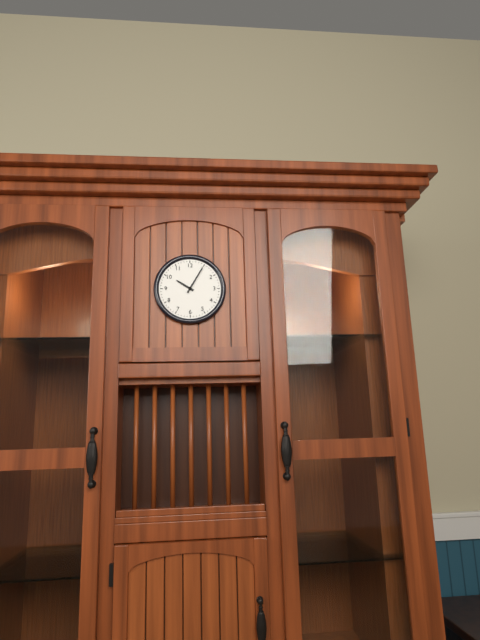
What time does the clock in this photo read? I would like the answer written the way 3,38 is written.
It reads 10,05
